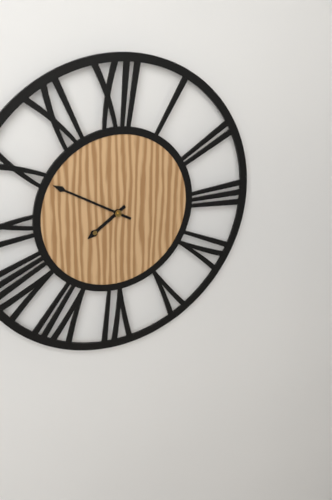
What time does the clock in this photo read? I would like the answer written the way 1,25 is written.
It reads 7,50
